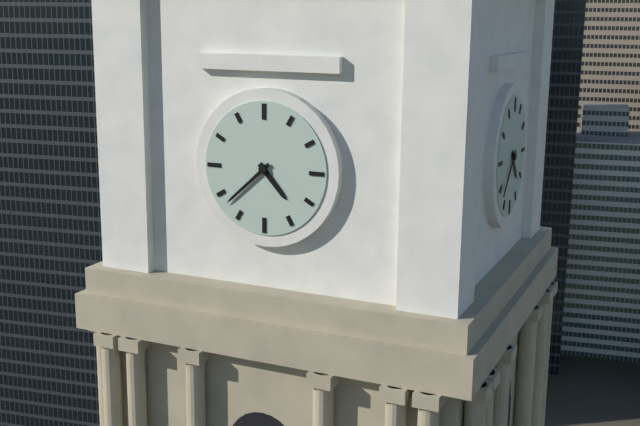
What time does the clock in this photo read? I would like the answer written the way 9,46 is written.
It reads 4,38
